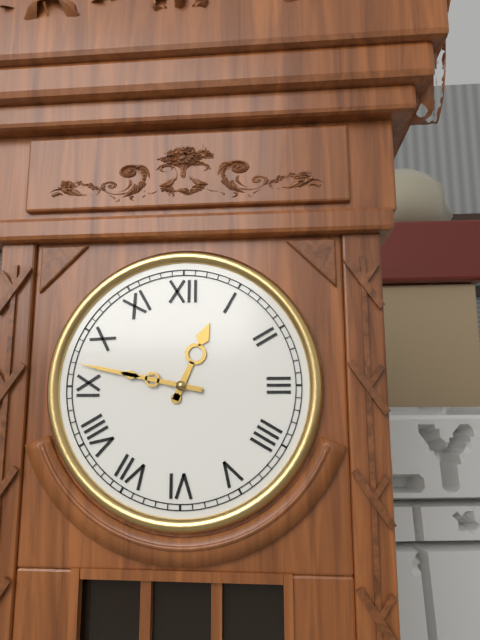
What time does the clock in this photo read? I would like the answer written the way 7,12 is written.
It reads 12,47
